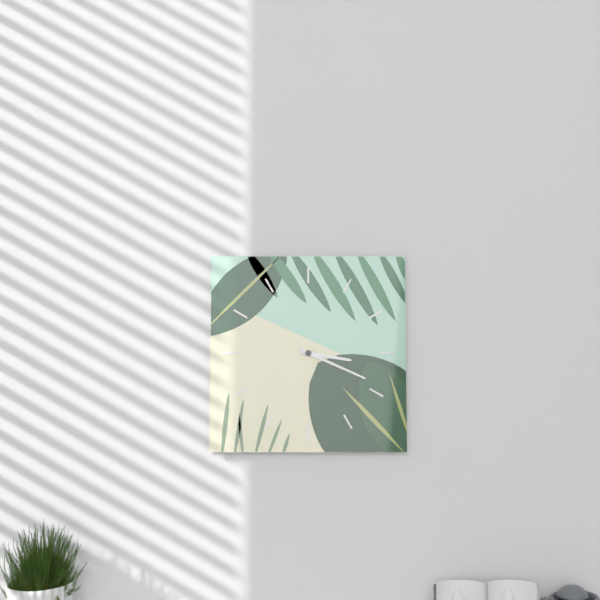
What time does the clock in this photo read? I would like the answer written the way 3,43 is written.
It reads 3,19
